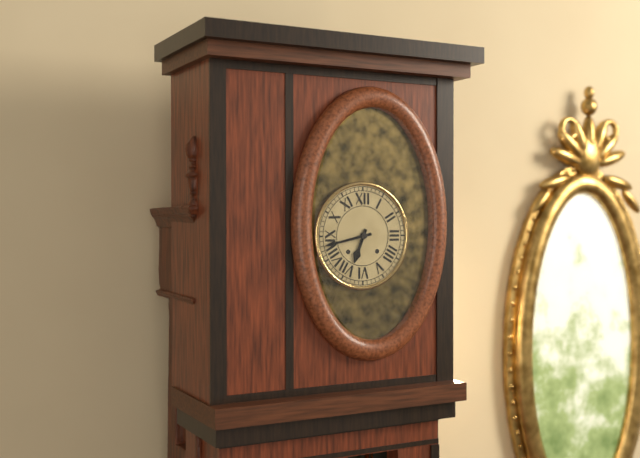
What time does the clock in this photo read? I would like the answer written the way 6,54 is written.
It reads 6,43
